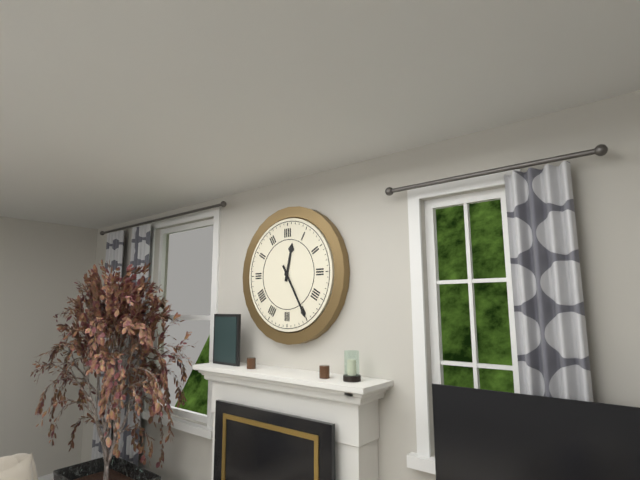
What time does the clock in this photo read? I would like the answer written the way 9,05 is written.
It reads 12,25
